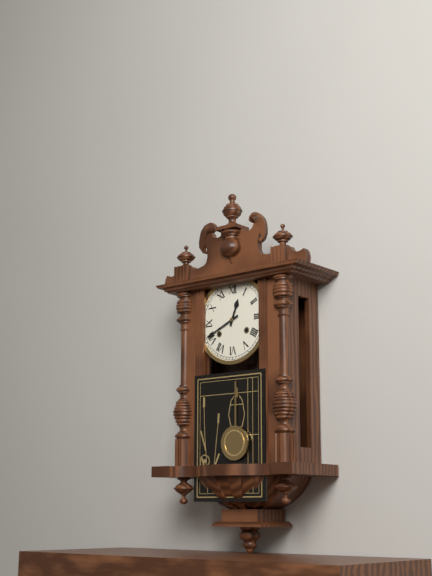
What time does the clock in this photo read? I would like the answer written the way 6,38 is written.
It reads 12,41
